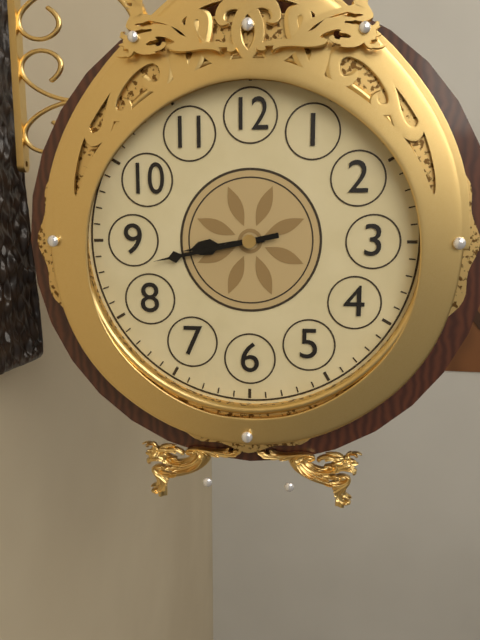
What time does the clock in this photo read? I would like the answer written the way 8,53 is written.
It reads 8,43
